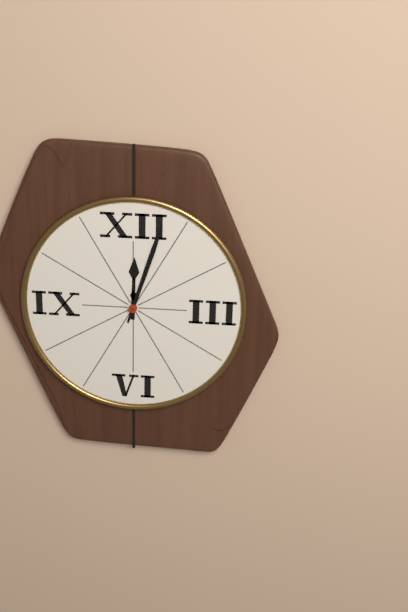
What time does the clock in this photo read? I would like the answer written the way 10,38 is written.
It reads 12,03
